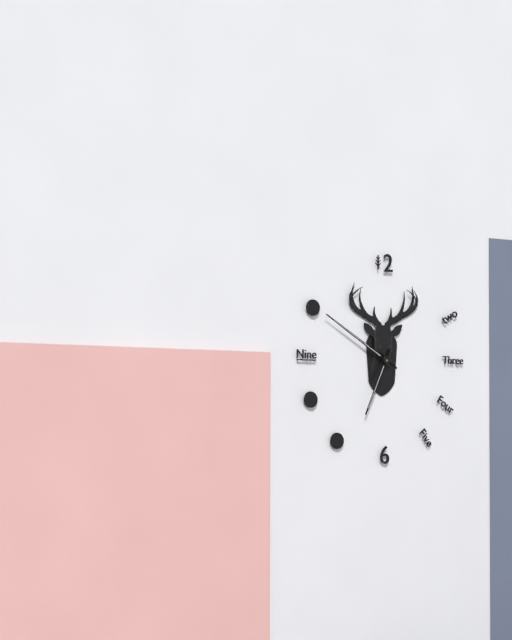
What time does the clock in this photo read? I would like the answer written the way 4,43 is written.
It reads 6,50
